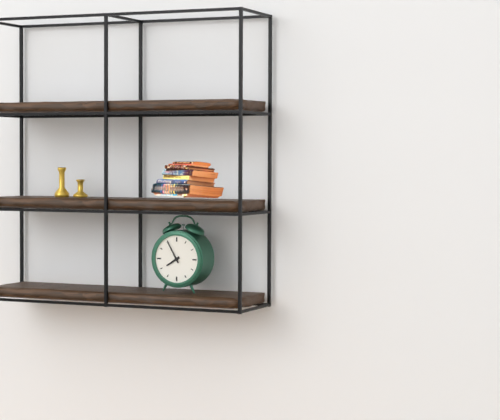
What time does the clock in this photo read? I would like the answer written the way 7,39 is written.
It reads 7,55
